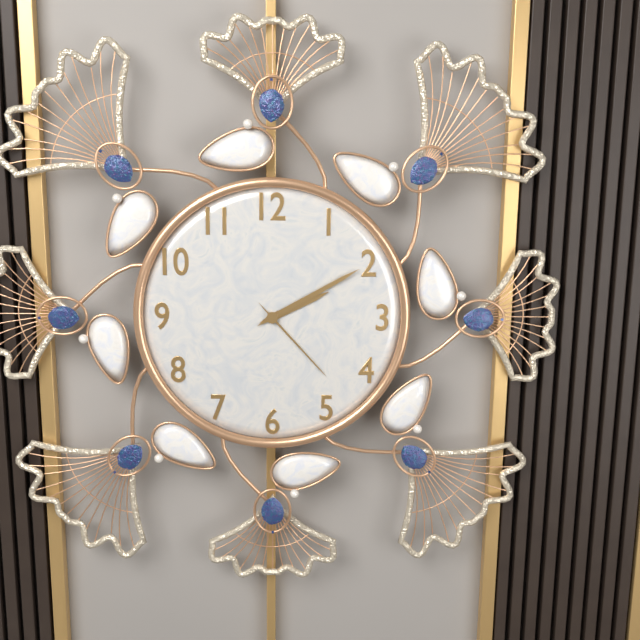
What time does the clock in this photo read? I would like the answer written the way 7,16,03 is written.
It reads 2,10,23
